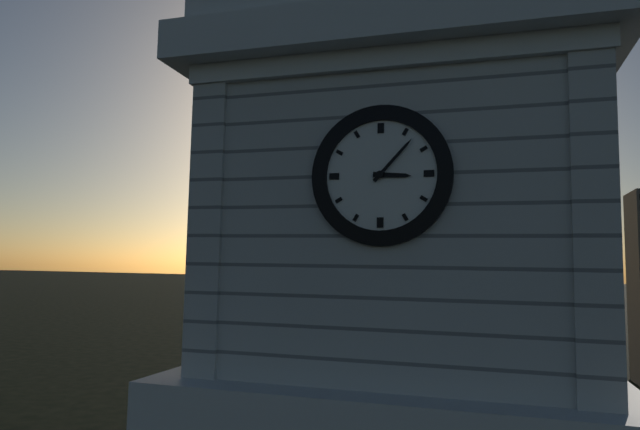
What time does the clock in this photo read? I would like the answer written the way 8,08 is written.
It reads 3,07
